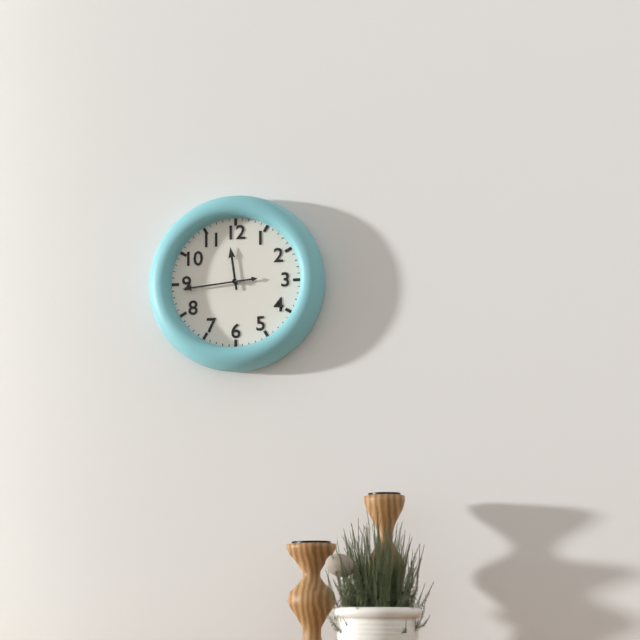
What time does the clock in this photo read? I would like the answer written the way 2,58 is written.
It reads 11,44
